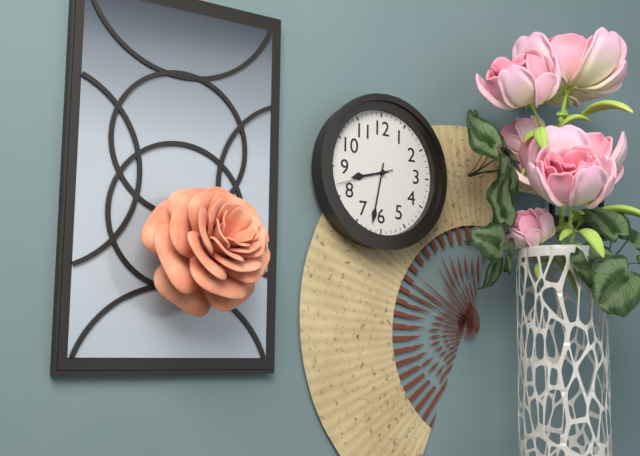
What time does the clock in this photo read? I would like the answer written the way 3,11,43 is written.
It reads 8,32,42
